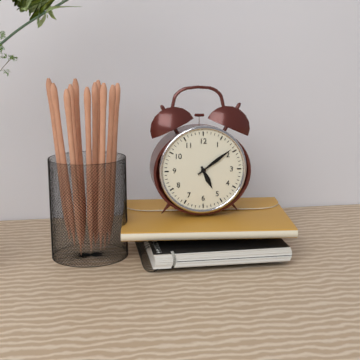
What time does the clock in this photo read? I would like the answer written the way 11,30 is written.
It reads 5,09
